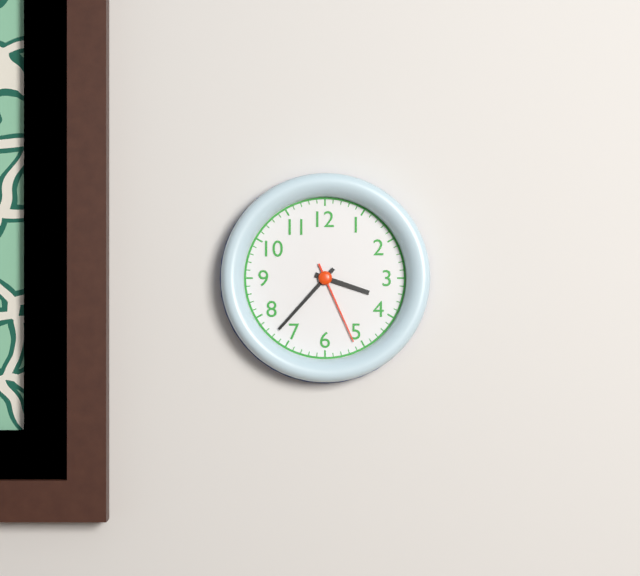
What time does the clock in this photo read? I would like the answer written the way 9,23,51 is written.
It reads 3,37,26
